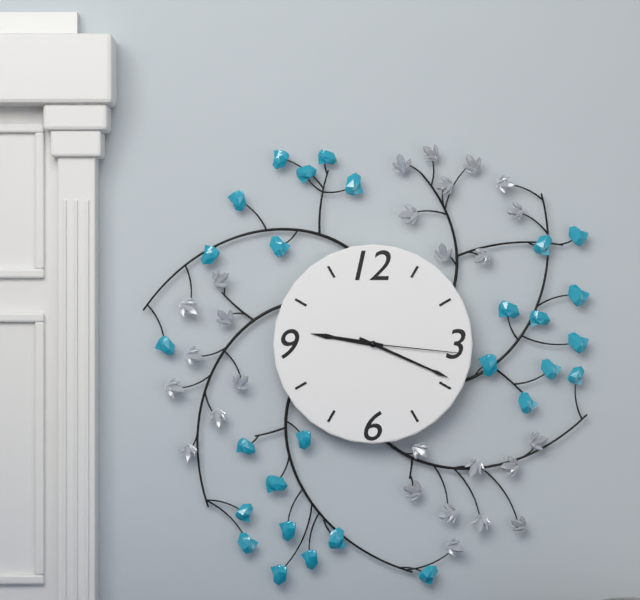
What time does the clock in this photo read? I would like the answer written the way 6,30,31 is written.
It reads 9,19,16
